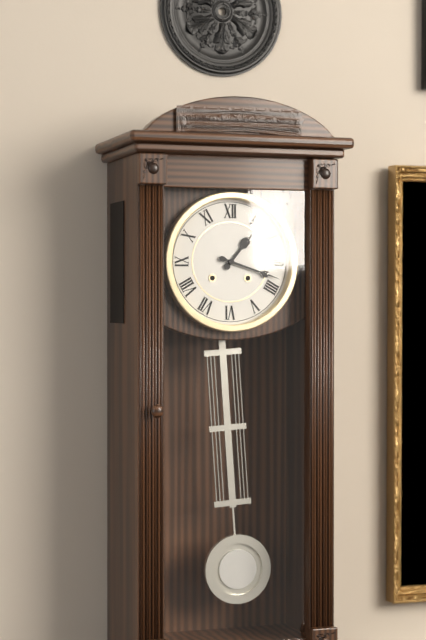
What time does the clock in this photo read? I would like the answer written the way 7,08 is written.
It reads 1,18
